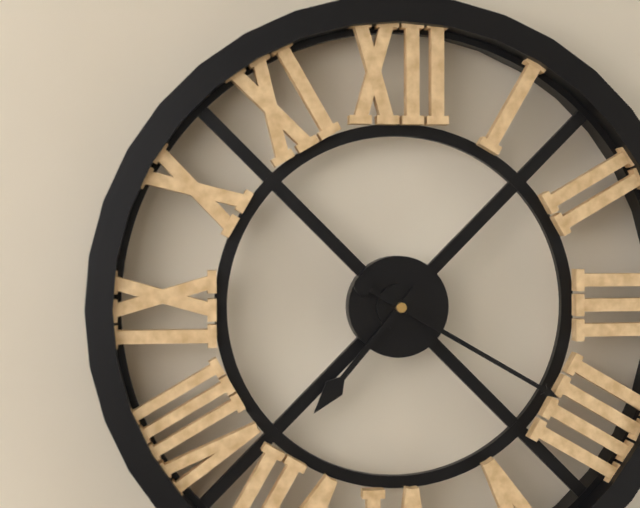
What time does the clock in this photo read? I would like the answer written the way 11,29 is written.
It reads 7,20
